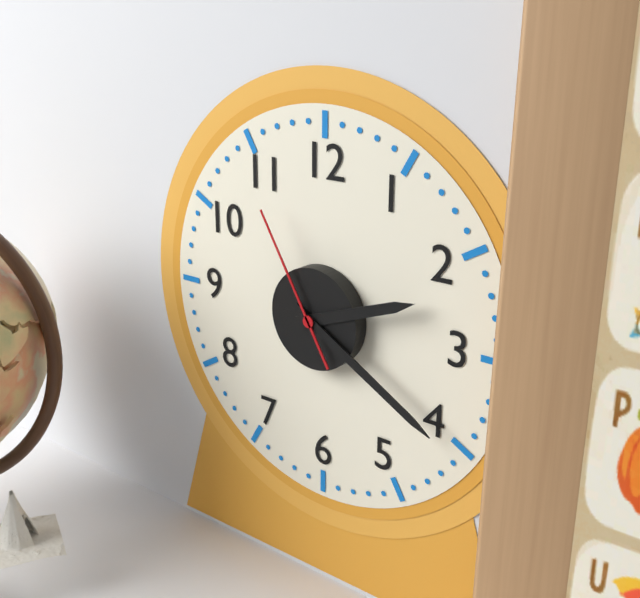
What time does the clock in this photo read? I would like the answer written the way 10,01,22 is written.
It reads 2,20,55
